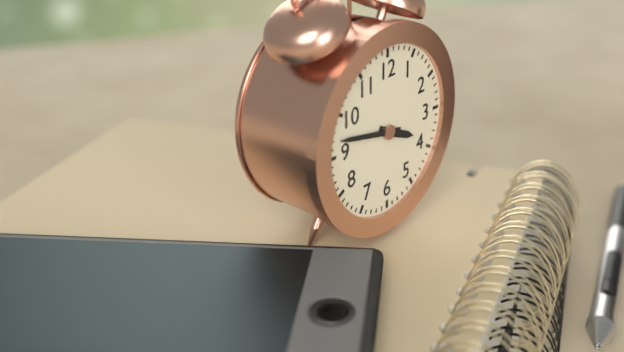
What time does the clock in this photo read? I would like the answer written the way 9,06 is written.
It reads 3,47
